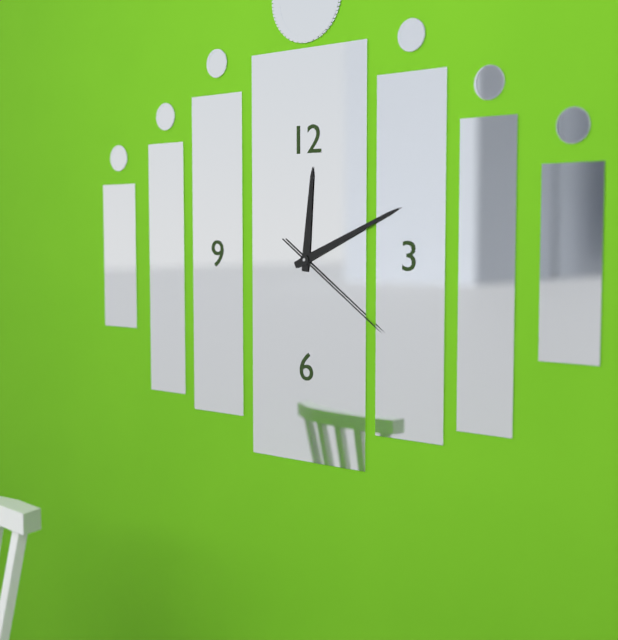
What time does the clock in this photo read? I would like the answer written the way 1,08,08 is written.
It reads 12,11,21
